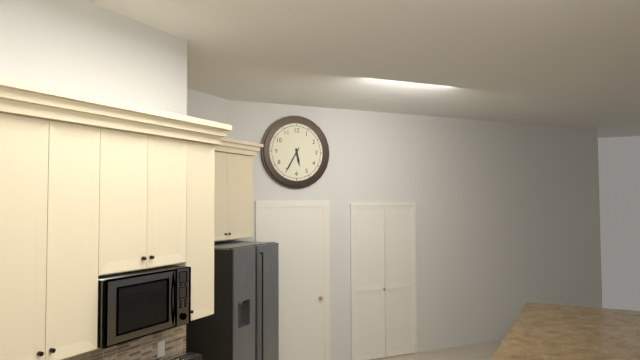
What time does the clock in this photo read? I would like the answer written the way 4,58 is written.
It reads 5,35
